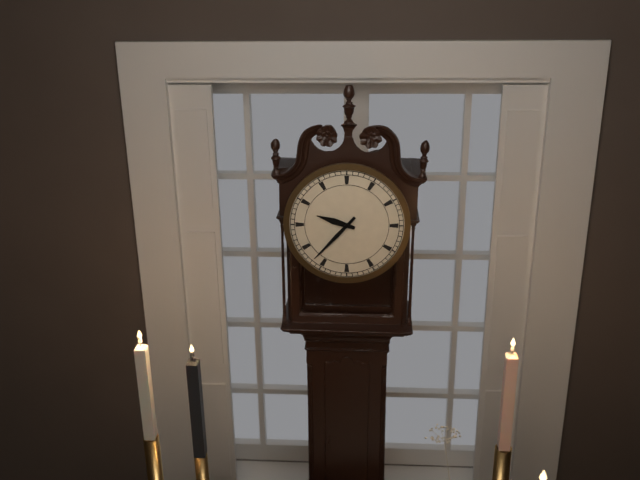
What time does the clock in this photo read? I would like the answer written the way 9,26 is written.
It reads 9,37
